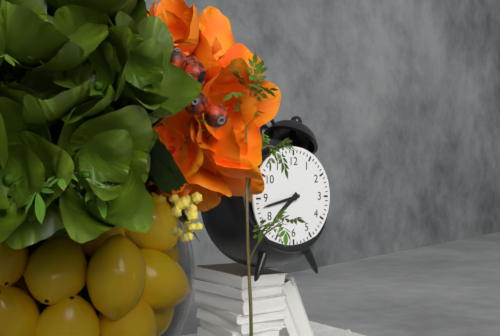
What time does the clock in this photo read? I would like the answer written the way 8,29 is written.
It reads 7,43
